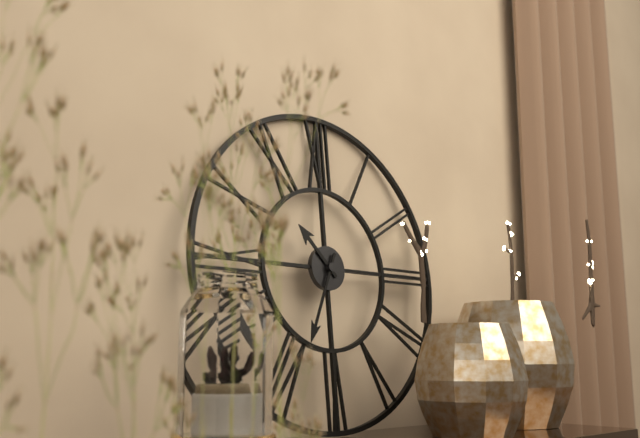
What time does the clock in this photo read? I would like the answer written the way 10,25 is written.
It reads 10,34
